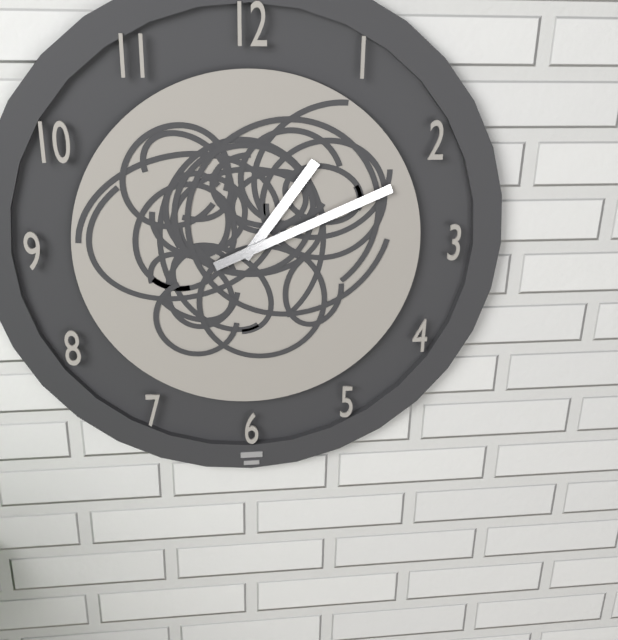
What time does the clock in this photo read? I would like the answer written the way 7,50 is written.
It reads 1,11
